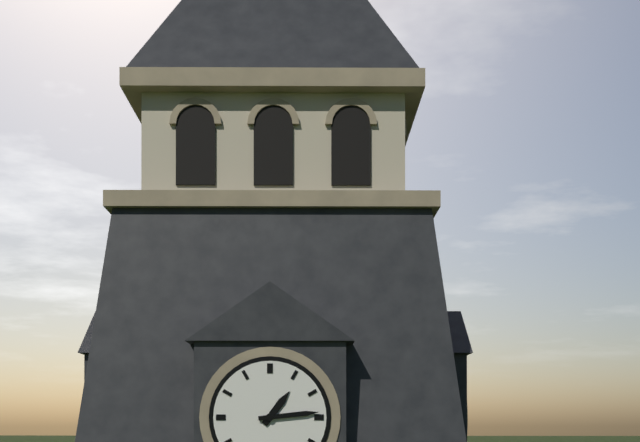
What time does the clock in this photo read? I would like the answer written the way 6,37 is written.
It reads 1,14
